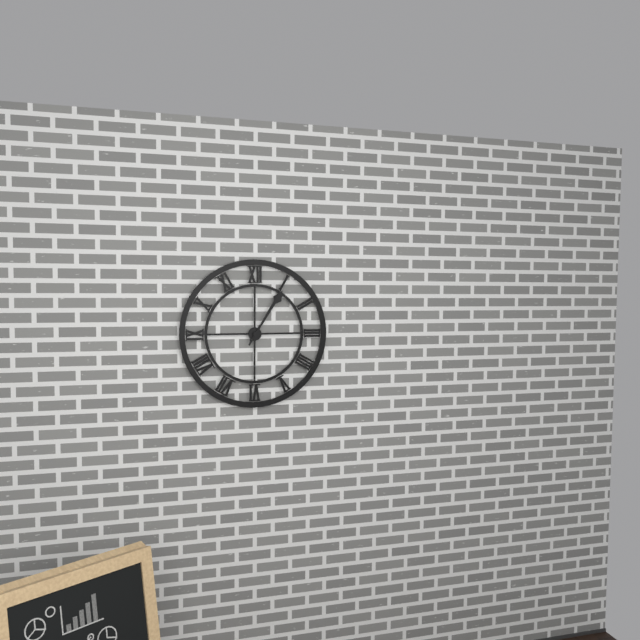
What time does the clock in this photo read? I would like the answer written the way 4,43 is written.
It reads 1,05
